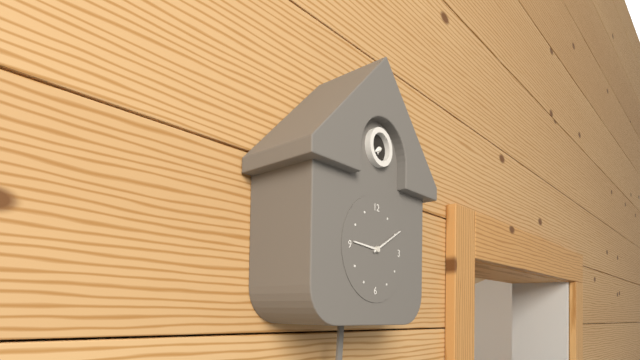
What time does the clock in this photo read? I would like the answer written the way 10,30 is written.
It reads 9,10
